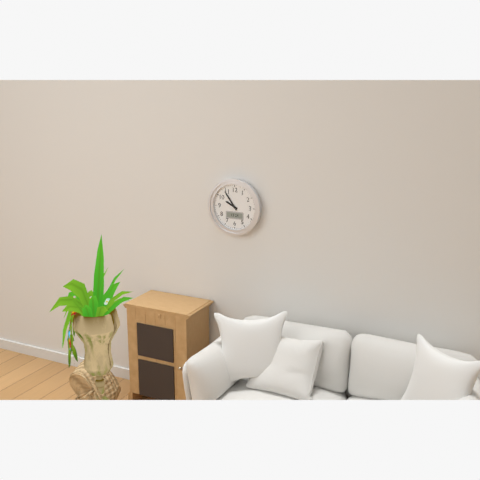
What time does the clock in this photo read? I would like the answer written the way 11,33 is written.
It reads 9,54
